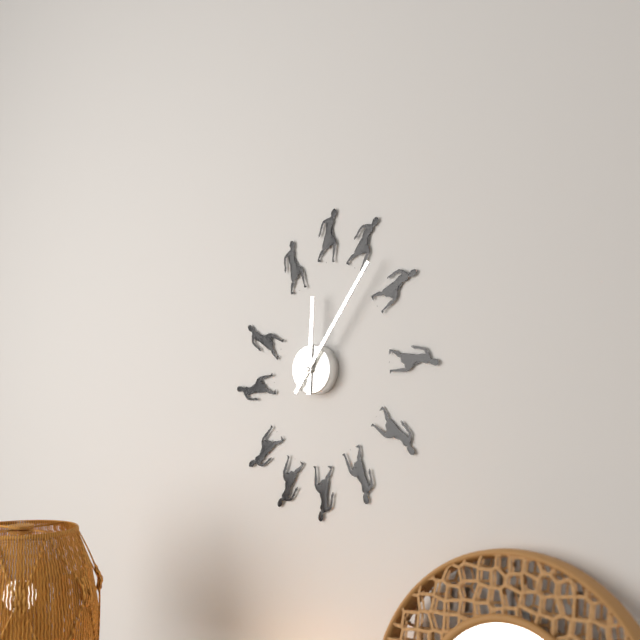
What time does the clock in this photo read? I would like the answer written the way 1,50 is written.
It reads 12,06
